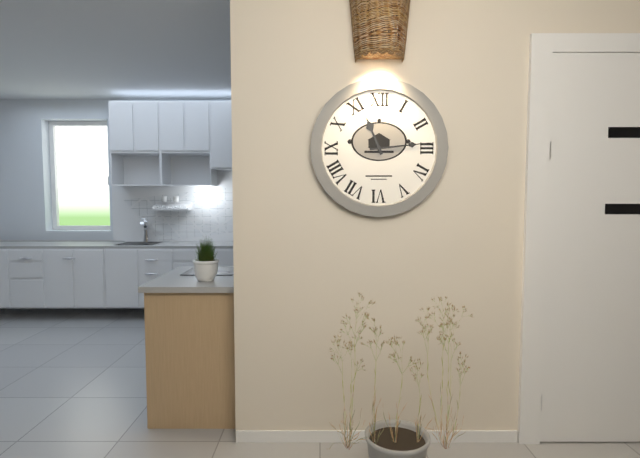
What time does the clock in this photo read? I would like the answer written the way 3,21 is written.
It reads 11,14
